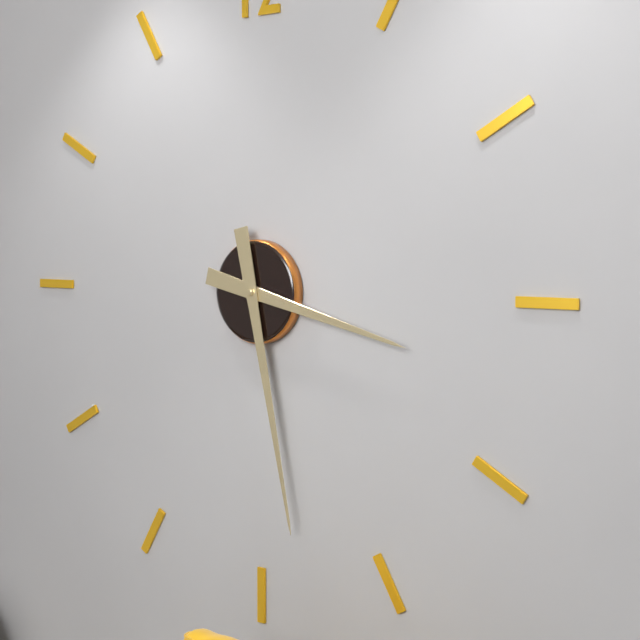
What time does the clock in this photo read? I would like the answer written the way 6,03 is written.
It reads 3,28
